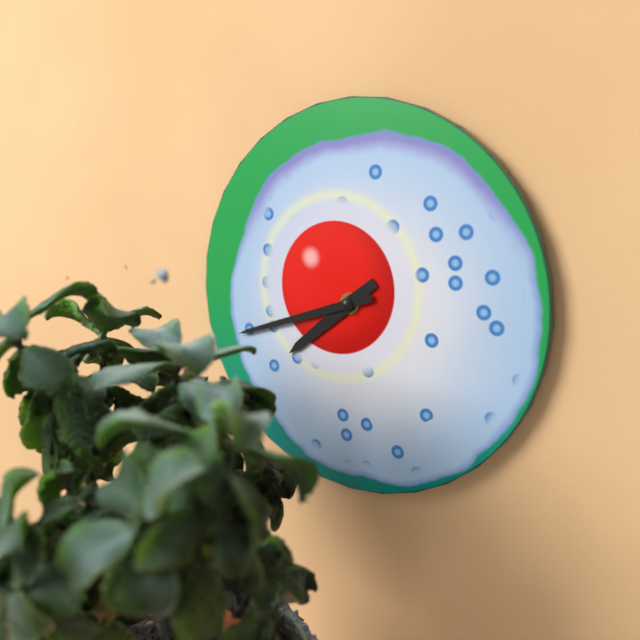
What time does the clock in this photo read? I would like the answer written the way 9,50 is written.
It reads 7,42
